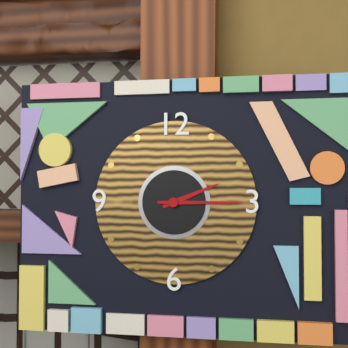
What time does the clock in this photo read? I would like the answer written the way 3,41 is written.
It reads 2,15
